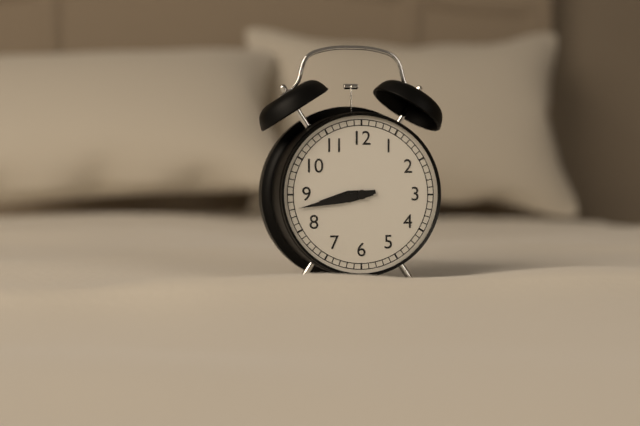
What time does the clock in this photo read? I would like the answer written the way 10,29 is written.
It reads 8,43
